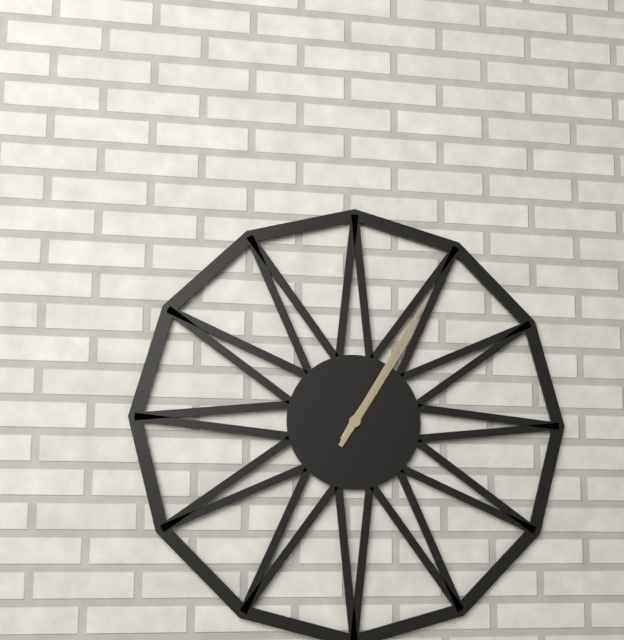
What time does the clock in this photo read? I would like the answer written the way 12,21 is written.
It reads 1,05
